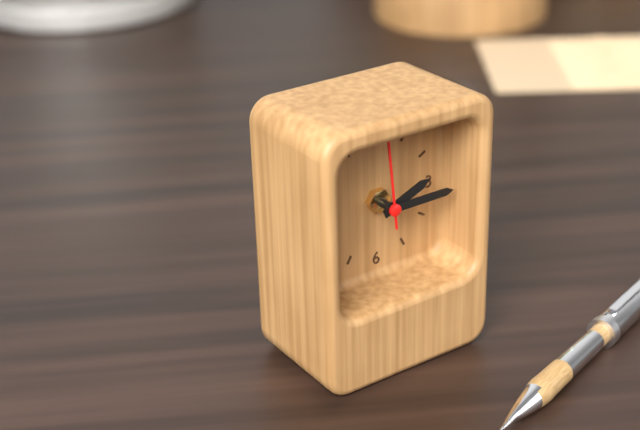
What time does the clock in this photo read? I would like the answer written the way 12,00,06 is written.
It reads 2,15,59
